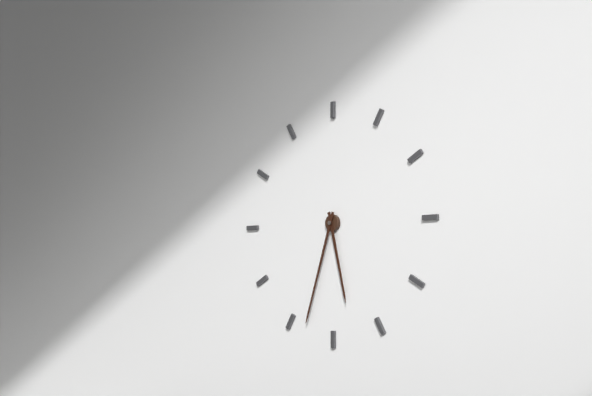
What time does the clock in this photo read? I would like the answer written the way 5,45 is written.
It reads 5,33
